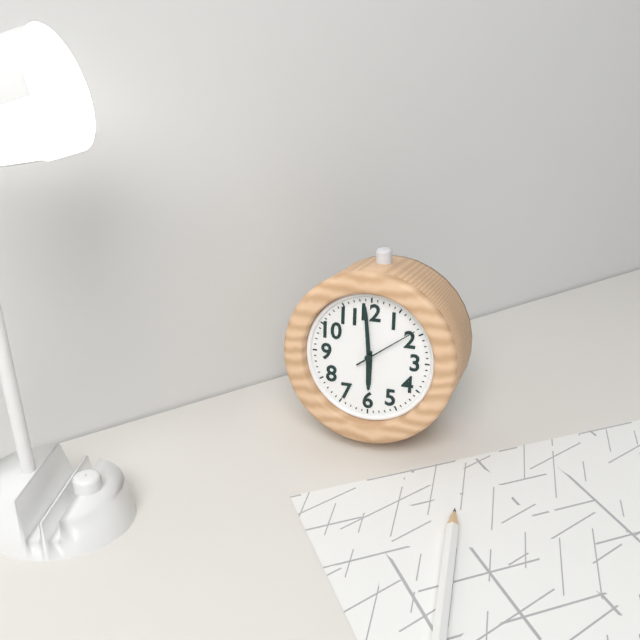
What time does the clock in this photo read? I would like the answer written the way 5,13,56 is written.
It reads 5,59,09
